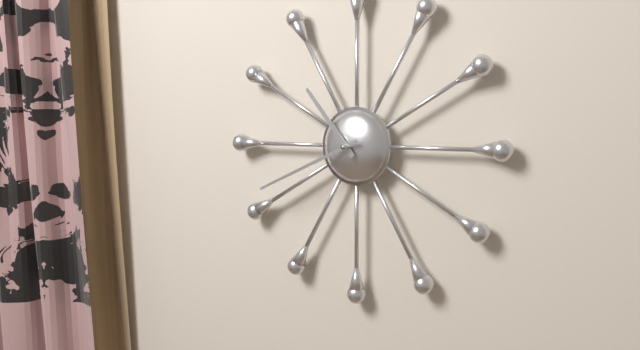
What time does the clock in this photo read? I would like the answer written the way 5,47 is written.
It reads 10,41
